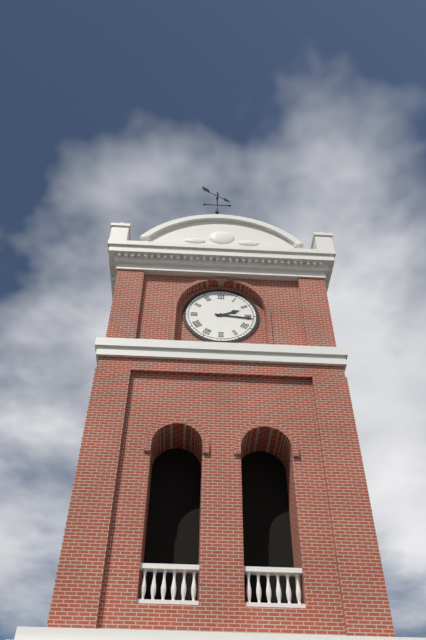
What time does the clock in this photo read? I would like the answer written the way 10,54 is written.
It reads 2,16
